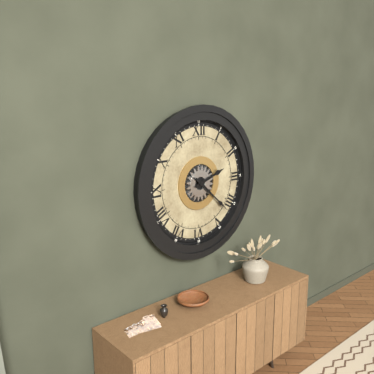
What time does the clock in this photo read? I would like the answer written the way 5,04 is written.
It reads 2,22
